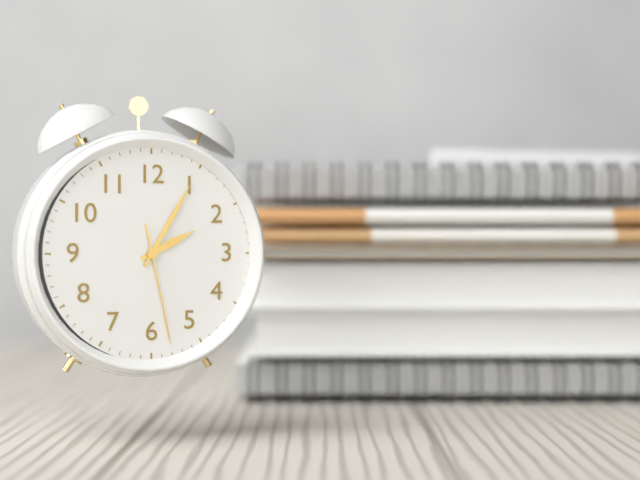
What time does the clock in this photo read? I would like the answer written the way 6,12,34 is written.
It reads 2,05,28
